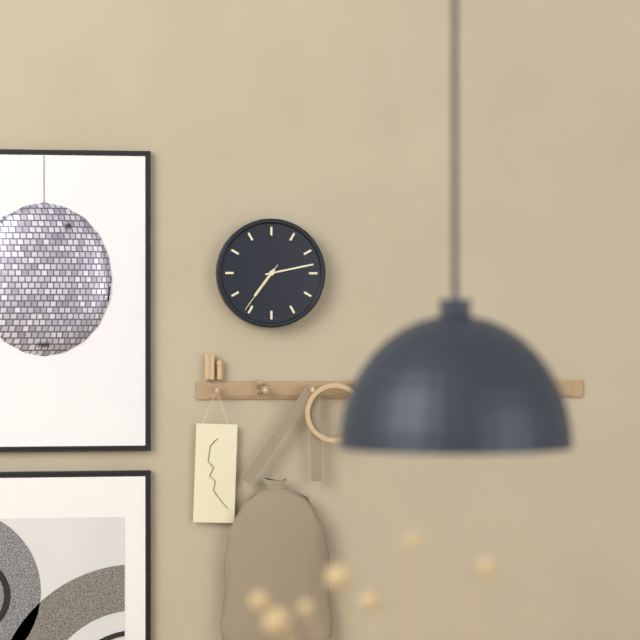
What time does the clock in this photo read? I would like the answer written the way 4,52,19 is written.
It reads 7,13,36
